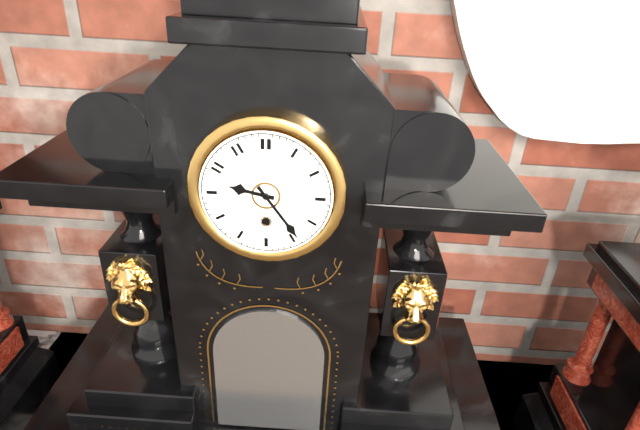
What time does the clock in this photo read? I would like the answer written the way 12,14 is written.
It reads 9,24
